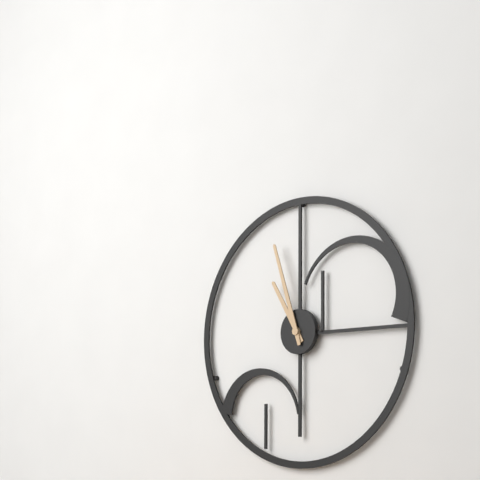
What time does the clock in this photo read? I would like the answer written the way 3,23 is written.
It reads 10,57
